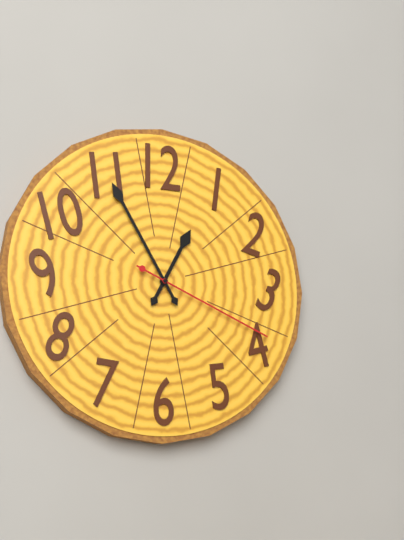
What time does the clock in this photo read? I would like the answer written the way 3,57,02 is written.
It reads 12,55,19
